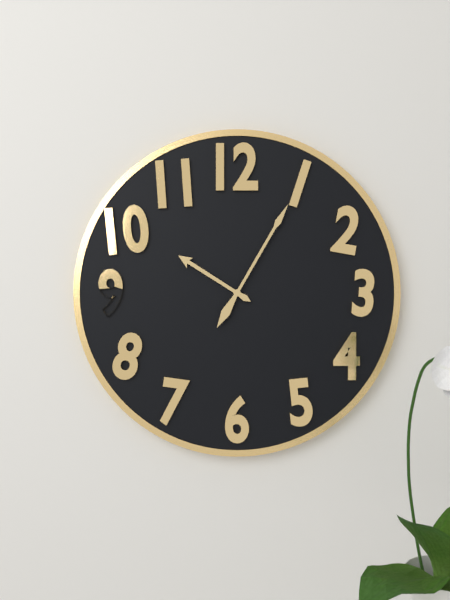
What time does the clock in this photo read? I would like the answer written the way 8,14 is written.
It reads 10,05
